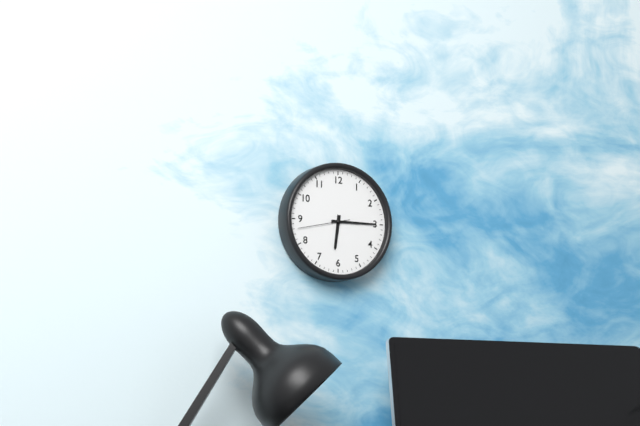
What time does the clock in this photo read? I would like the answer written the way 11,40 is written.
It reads 6,15
